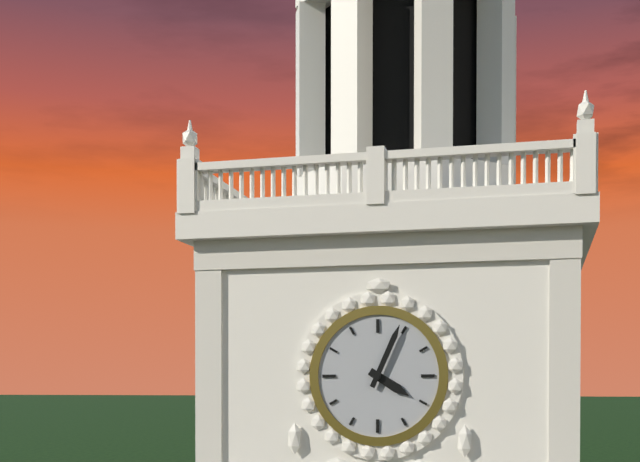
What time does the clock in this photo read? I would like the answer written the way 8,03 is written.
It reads 4,04
